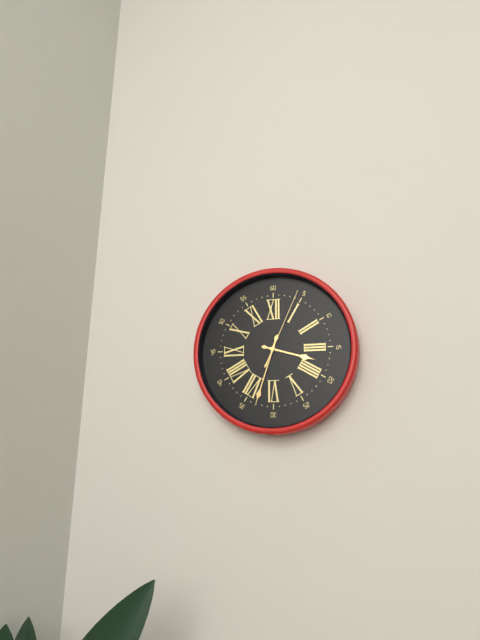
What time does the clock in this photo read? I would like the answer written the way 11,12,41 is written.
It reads 3,33,04
